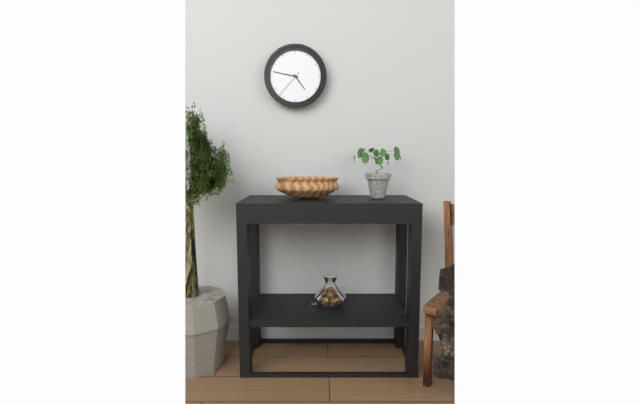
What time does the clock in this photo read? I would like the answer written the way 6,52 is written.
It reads 4,47
